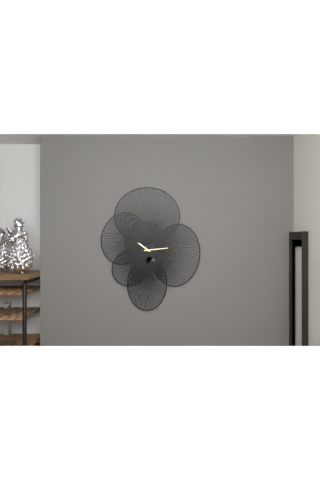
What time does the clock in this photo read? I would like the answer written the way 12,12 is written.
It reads 10,14
